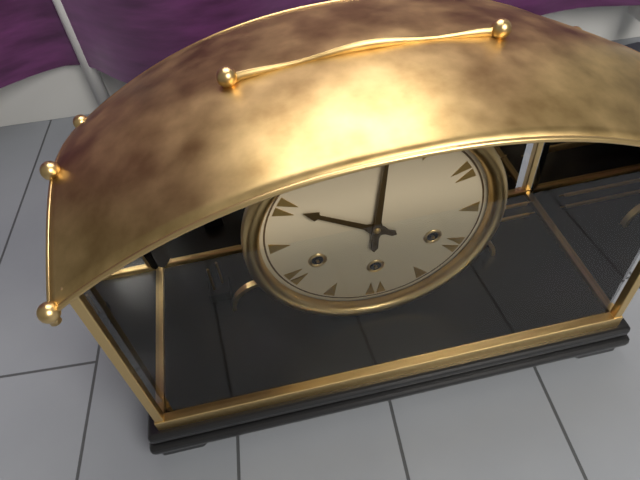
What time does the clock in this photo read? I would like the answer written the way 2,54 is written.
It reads 10,01
